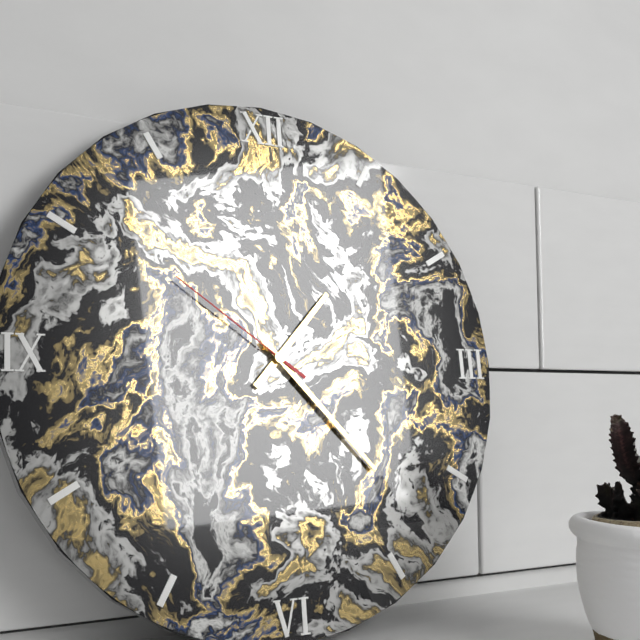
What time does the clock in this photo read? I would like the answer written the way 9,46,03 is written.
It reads 1,23,51
